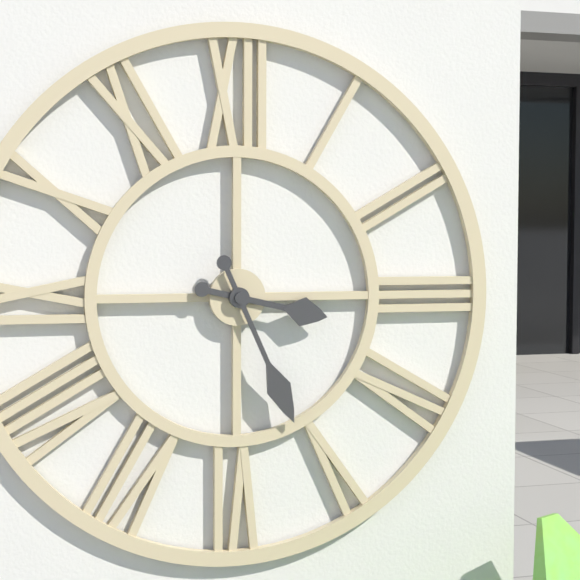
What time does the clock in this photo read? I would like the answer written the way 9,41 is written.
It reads 3,26
